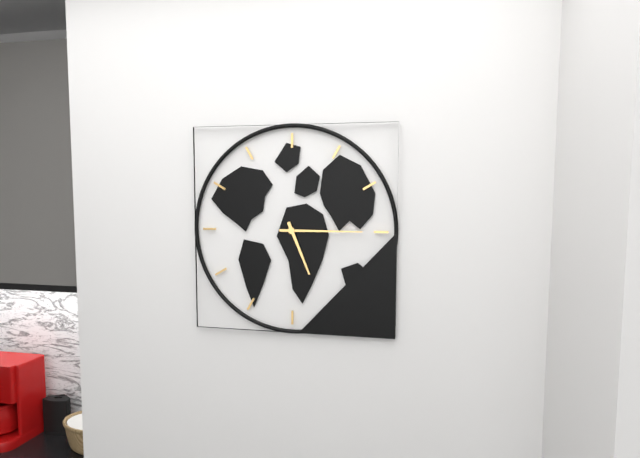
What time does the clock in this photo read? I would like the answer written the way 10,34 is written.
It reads 5,15
